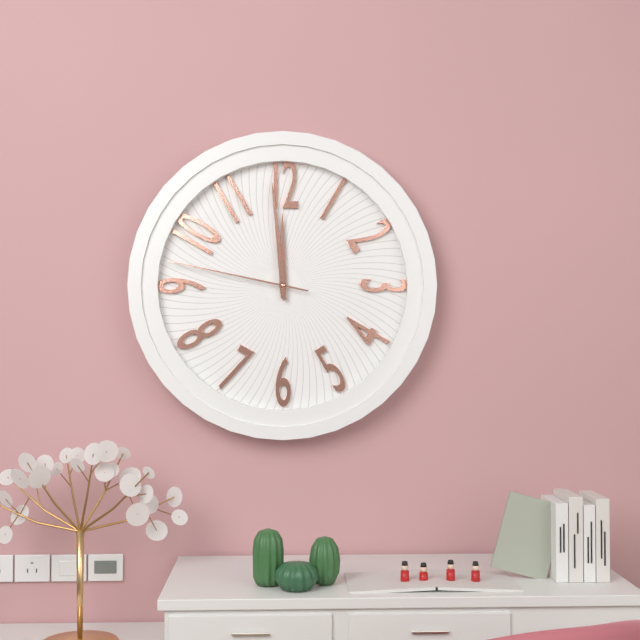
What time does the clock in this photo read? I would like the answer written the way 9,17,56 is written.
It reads 11,59,47
